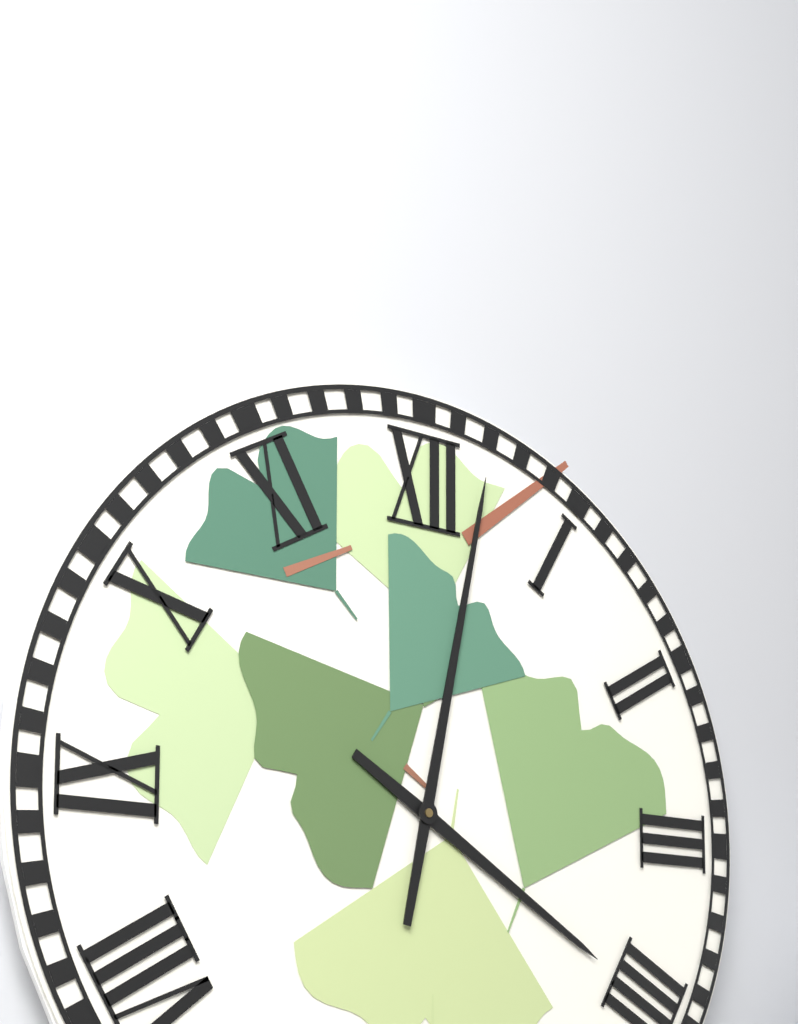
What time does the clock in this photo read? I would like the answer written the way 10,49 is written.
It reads 4,02
